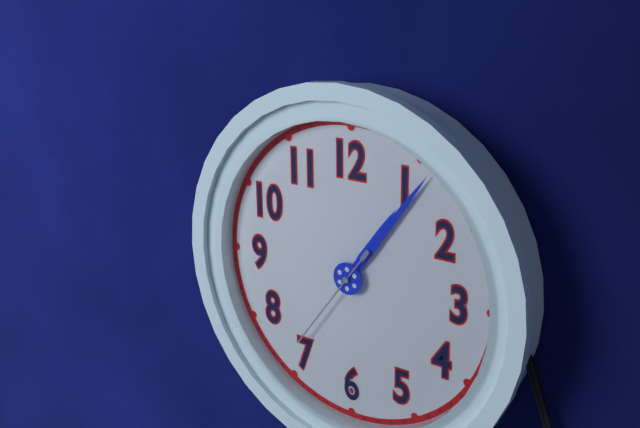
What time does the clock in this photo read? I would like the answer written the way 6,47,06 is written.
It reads 1,06,36
